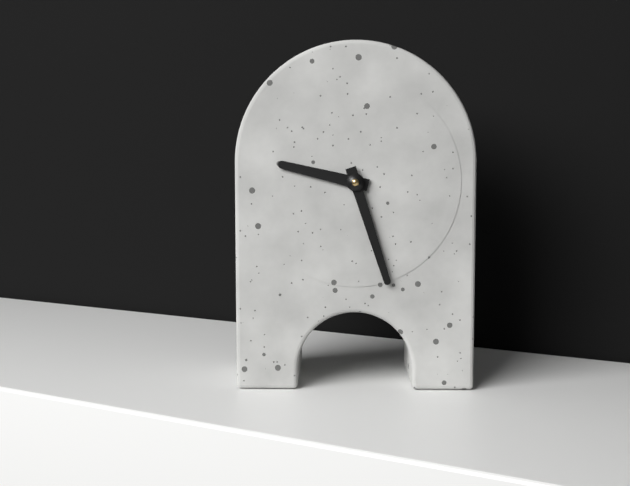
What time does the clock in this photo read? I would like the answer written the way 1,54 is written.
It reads 9,27
